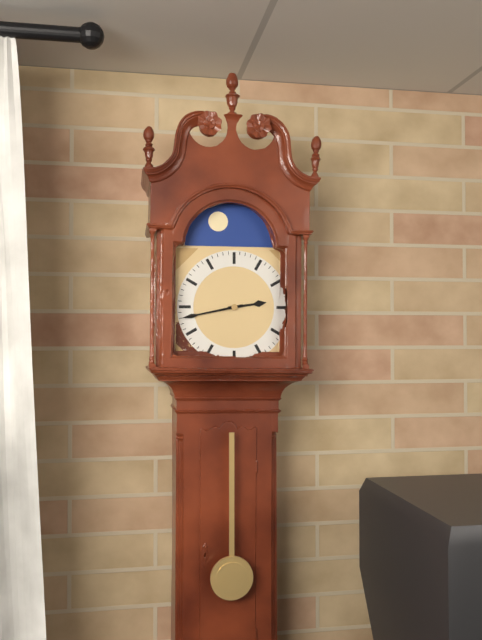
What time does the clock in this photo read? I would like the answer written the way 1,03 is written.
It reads 2,43
